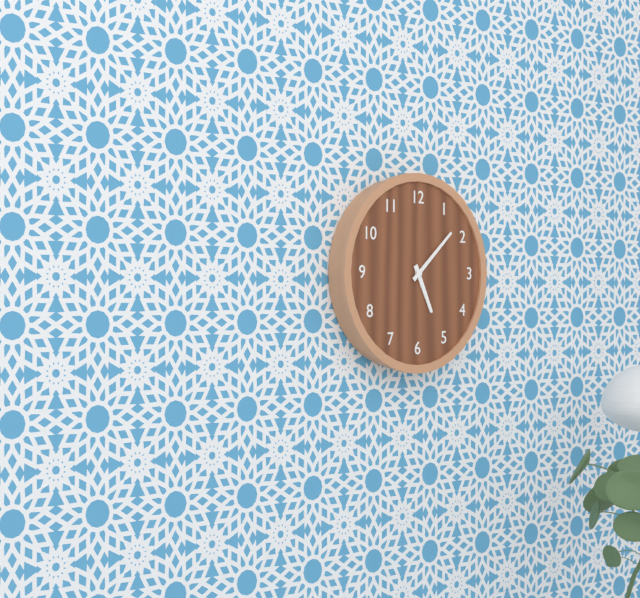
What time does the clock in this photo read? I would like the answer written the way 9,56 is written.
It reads 5,08
